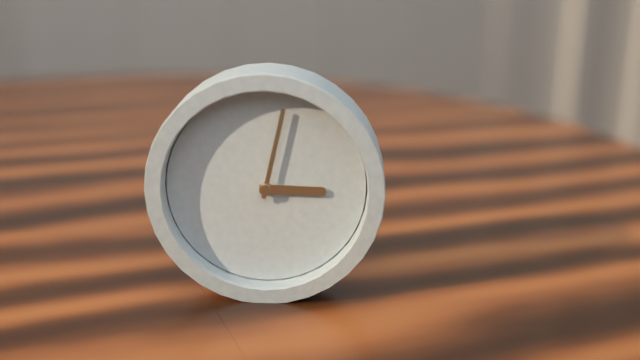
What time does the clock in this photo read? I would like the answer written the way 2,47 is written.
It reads 3,02
